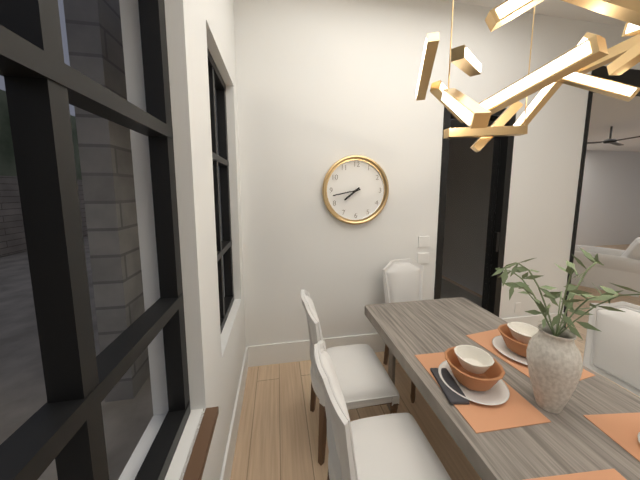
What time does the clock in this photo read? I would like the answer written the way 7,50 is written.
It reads 7,43
